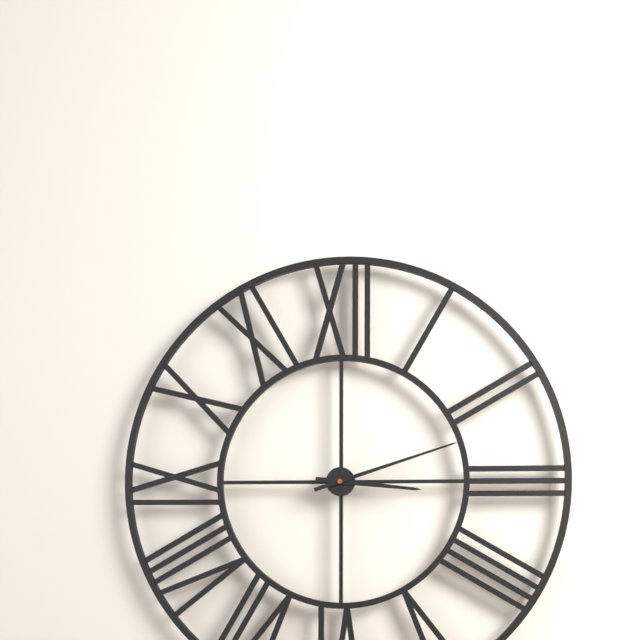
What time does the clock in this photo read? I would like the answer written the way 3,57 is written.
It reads 3,12
